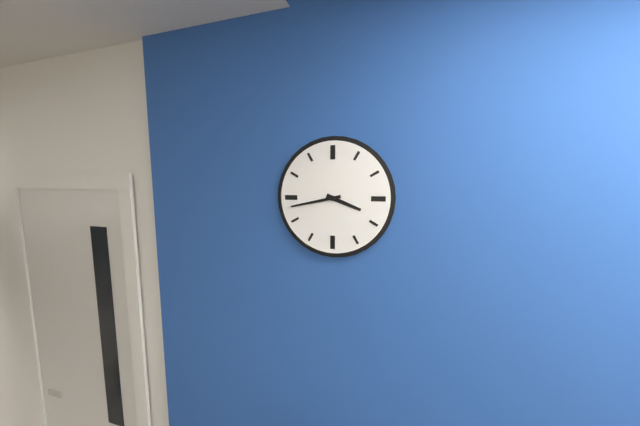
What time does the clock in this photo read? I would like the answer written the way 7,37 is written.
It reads 3,43
